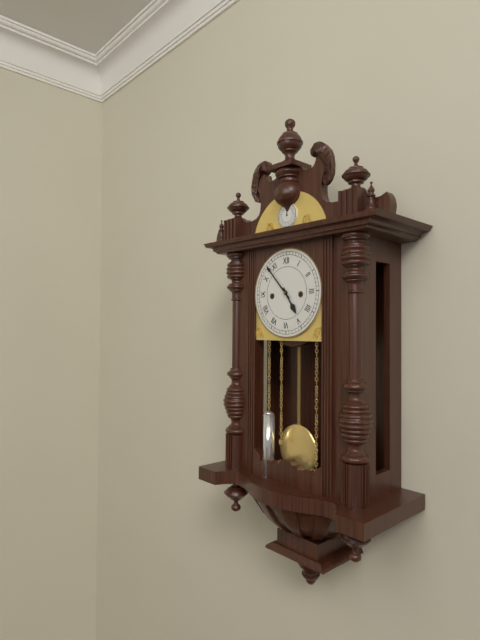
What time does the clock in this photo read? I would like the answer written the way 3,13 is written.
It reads 4,53
